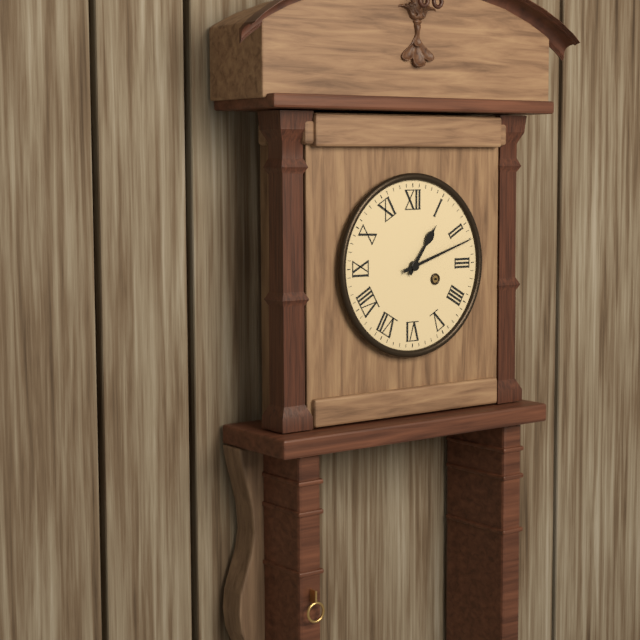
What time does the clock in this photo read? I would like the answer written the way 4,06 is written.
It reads 1,12
